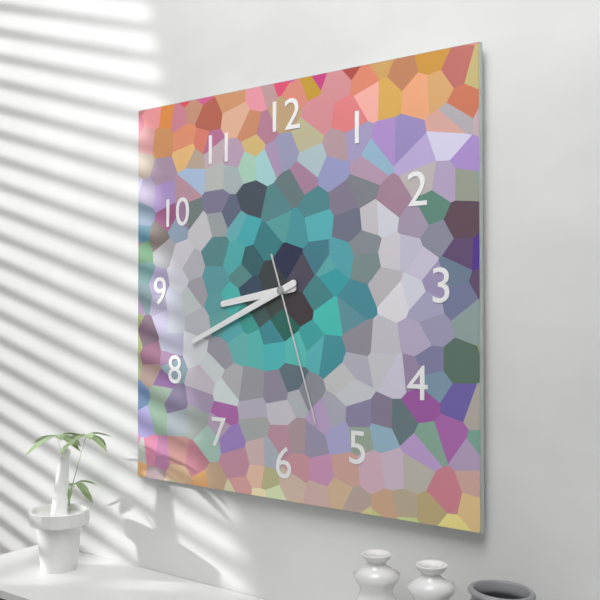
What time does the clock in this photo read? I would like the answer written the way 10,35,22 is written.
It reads 8,41,27
